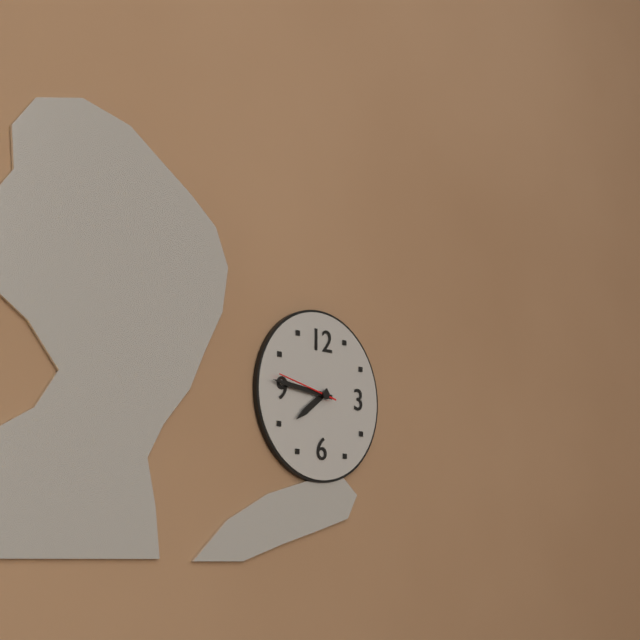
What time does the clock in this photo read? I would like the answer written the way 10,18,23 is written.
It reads 7,46,47
